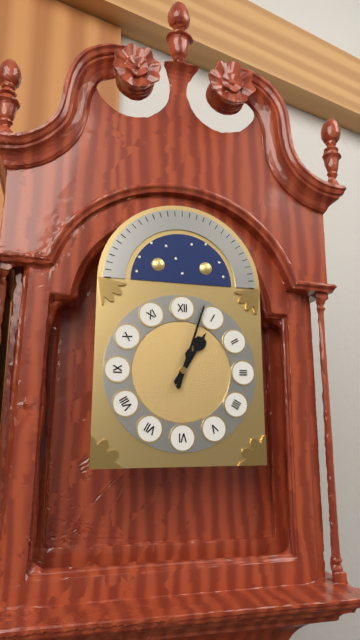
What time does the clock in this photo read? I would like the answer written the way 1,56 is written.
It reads 1,03
